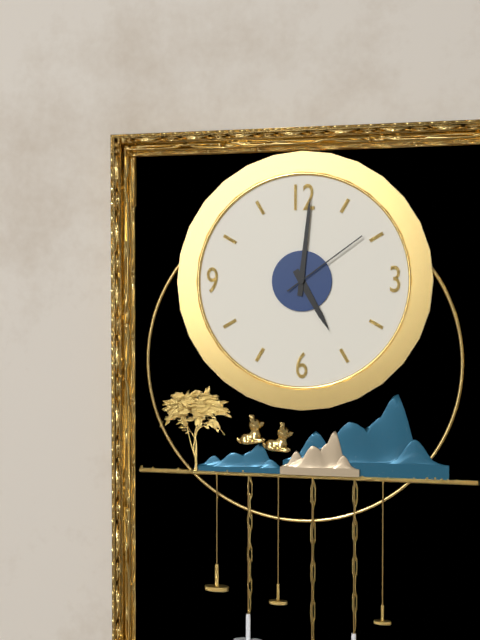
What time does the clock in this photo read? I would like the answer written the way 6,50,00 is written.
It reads 5,01,09
